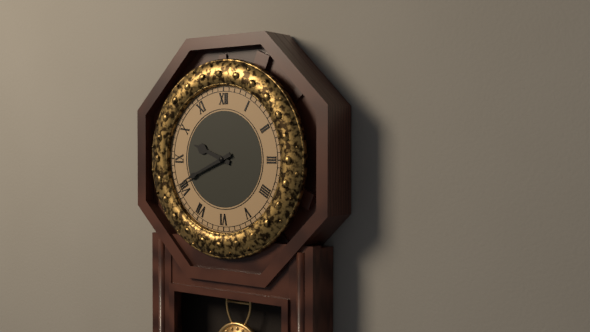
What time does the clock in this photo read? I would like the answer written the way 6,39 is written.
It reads 9,41
